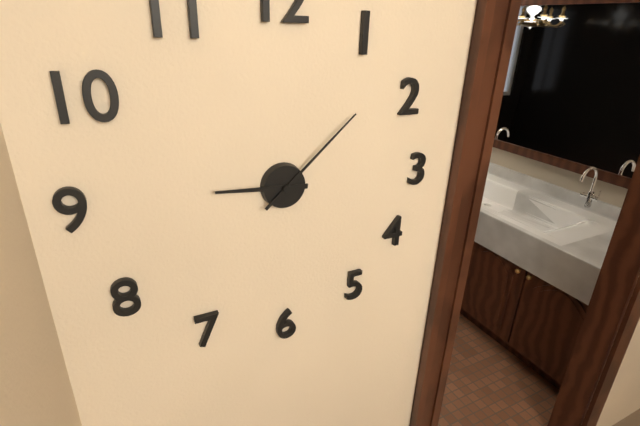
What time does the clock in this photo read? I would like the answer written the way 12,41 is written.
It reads 9,08
